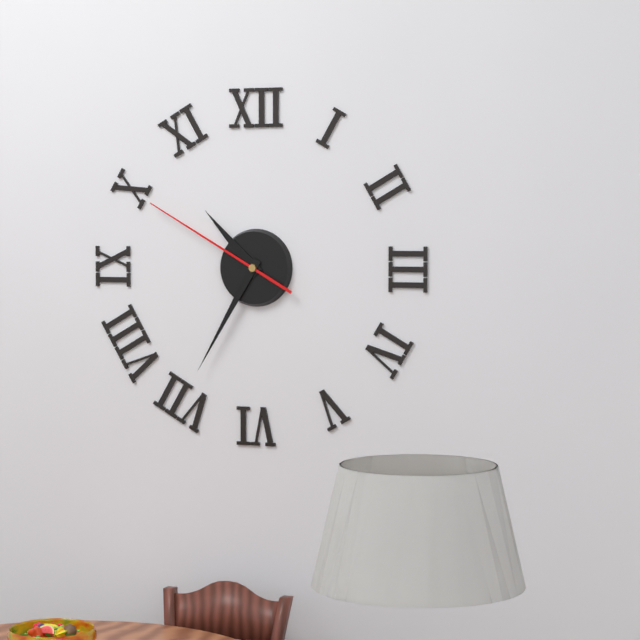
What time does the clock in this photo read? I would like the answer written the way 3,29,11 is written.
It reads 10,35,50
